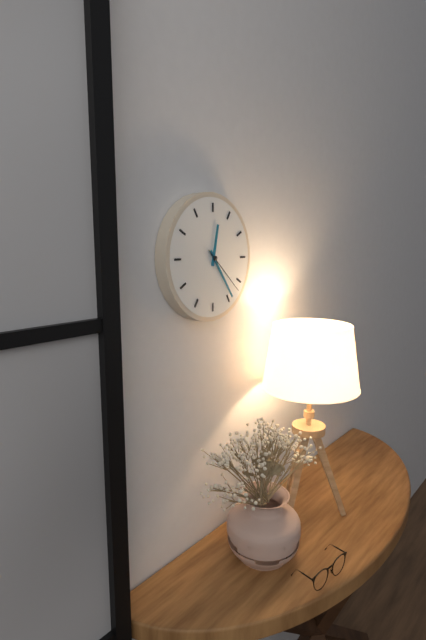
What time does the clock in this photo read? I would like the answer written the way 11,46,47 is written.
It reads 12,24,22
